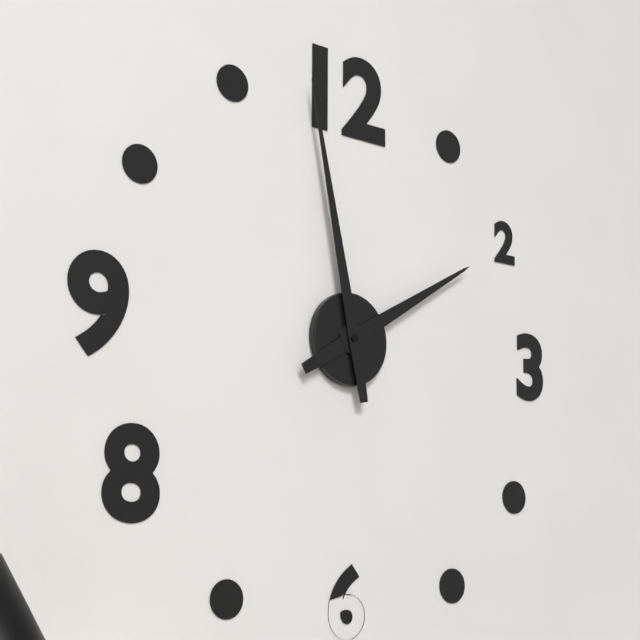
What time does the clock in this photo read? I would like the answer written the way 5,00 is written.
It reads 1,58
